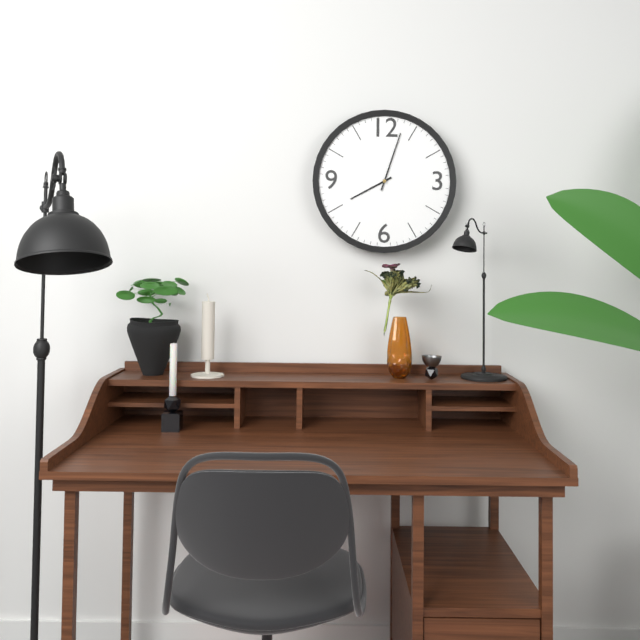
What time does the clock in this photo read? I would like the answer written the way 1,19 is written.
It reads 8,03
